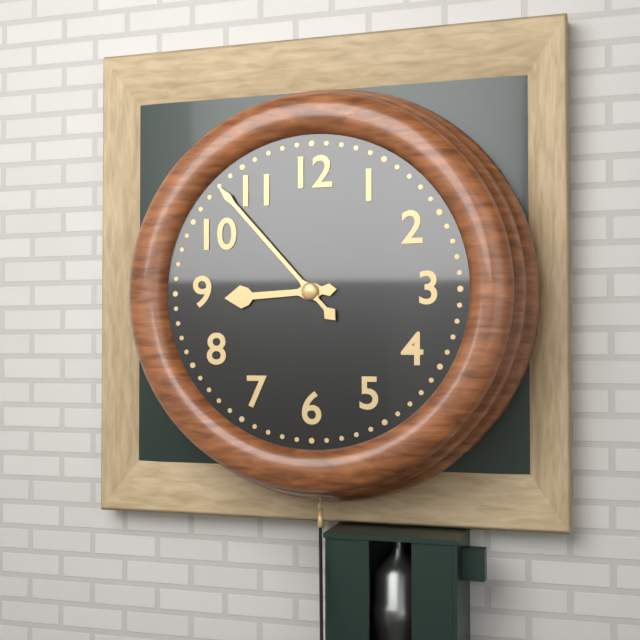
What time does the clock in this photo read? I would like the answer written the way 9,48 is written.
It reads 8,53
